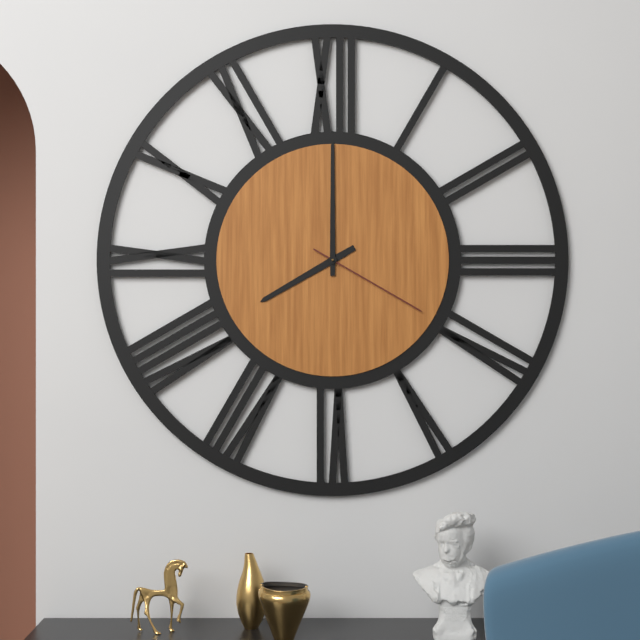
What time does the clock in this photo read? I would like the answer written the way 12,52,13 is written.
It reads 8,00,20
